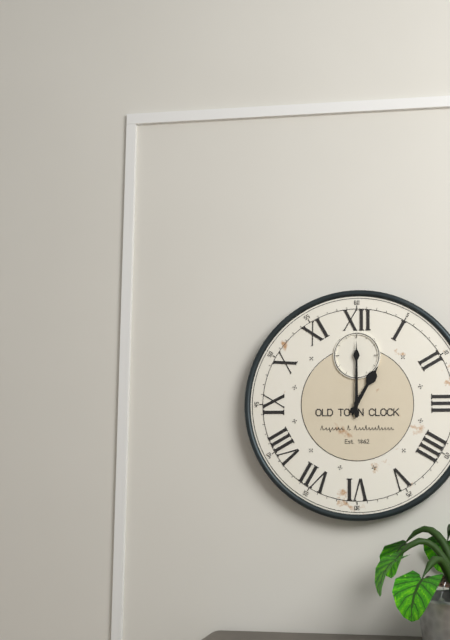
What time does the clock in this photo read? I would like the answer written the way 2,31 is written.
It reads 1,00
